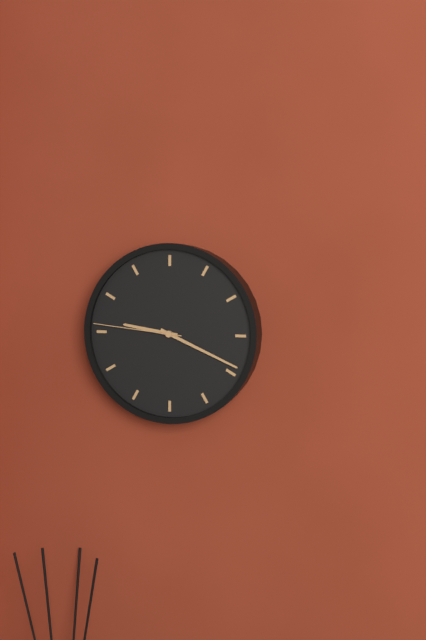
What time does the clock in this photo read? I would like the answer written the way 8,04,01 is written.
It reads 9,19,46
